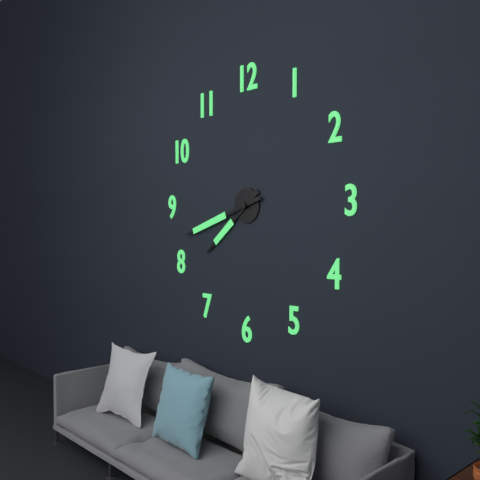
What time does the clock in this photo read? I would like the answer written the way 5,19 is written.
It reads 7,42
